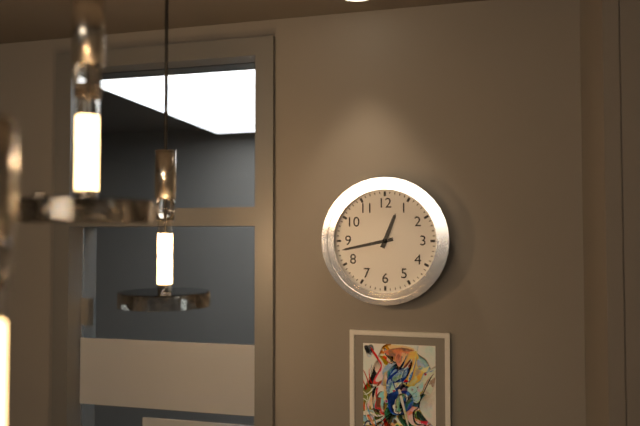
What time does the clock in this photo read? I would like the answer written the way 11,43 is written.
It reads 12,43
